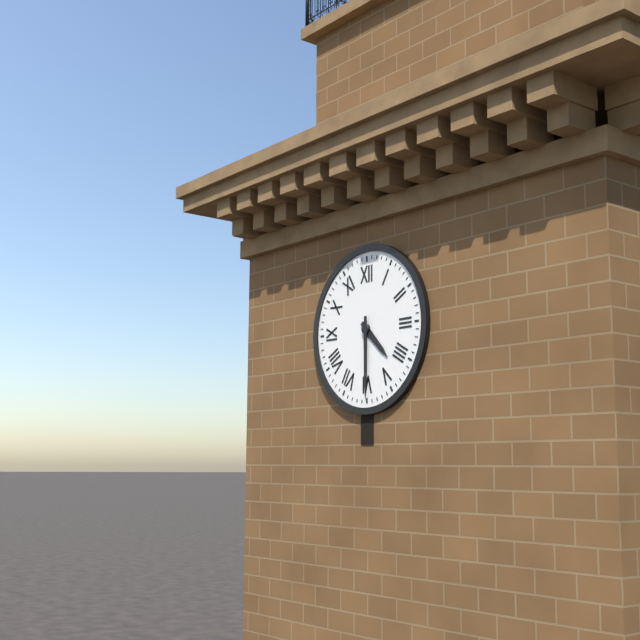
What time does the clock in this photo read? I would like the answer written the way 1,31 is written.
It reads 4,30
